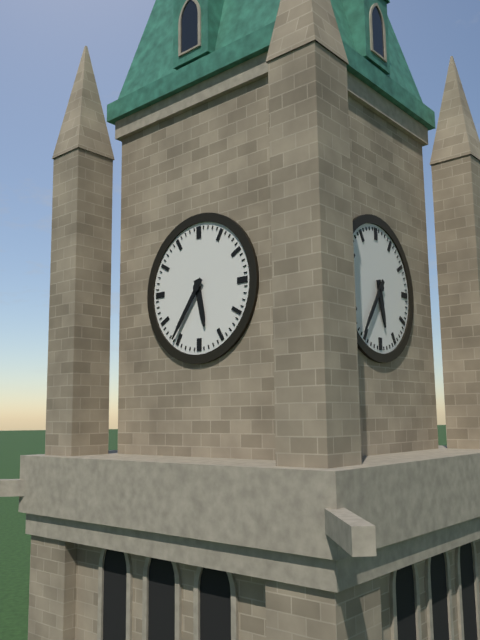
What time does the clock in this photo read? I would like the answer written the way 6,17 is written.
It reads 5,36
